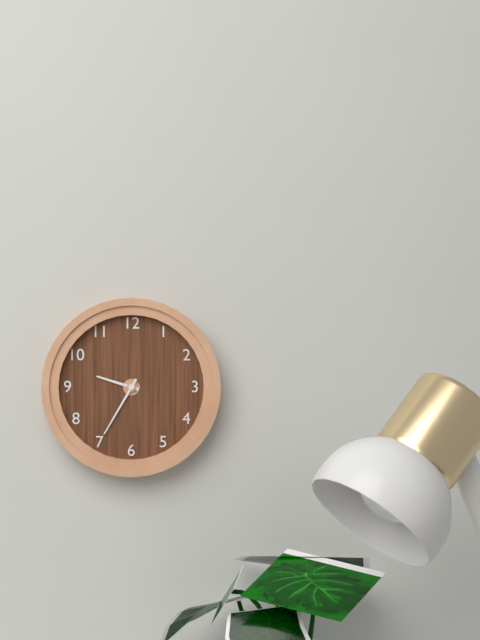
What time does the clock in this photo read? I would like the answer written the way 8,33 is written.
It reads 9,35
